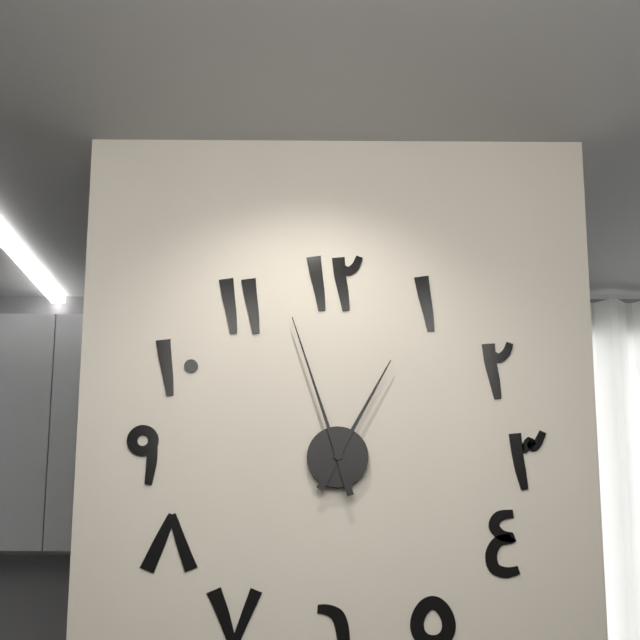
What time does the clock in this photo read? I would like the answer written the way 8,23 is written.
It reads 12,57
